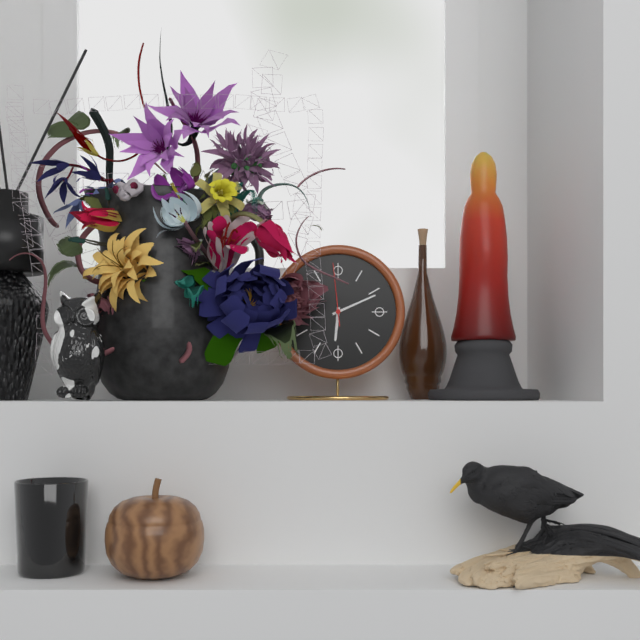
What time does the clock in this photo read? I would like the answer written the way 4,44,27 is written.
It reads 6,11,59
